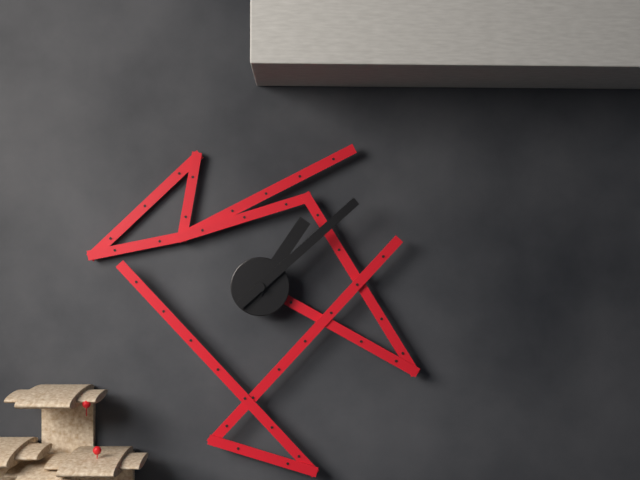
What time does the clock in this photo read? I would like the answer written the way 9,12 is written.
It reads 1,08
